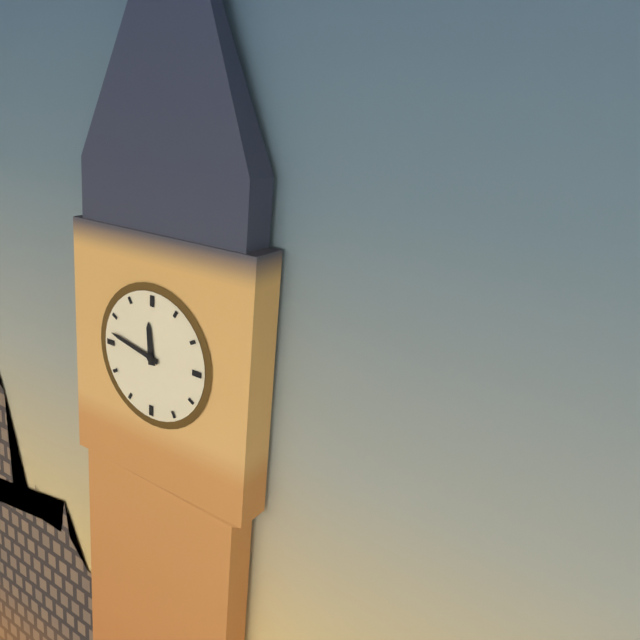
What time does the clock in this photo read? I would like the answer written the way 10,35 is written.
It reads 11,47
